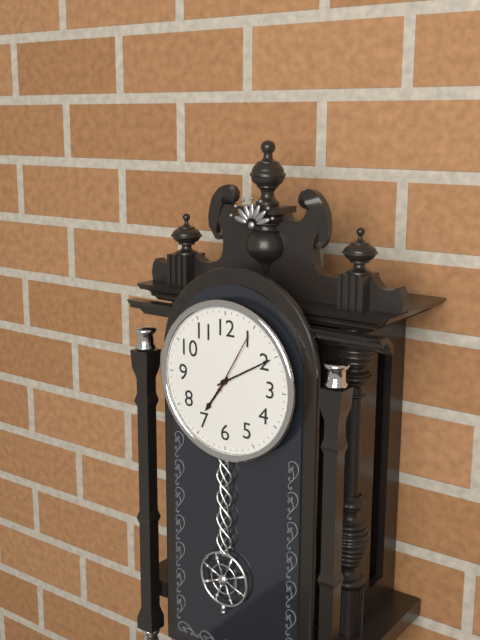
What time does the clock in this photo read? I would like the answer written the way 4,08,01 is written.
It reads 7,10,05
